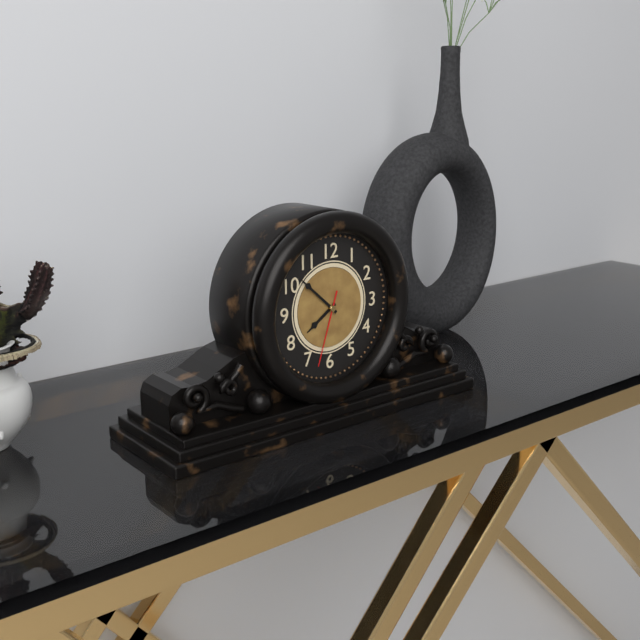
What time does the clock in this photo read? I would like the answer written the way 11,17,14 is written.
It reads 7,52,33
